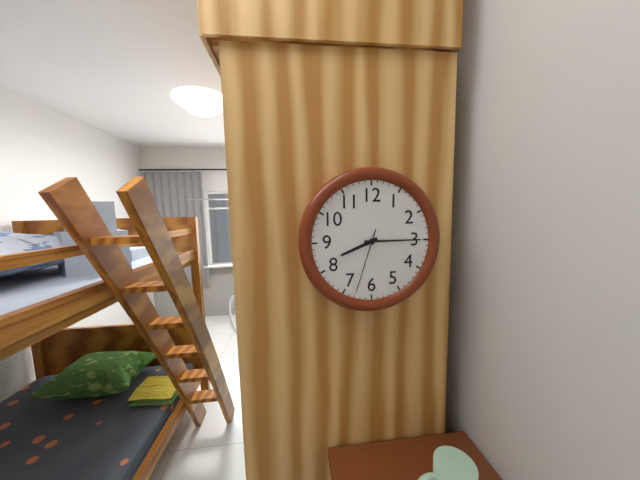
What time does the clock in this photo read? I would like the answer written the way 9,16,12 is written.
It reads 8,15,33
